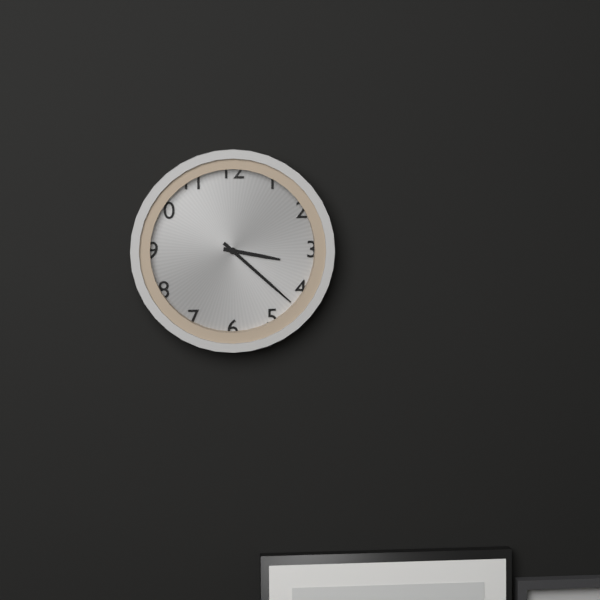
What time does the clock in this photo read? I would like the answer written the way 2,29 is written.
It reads 3,22
